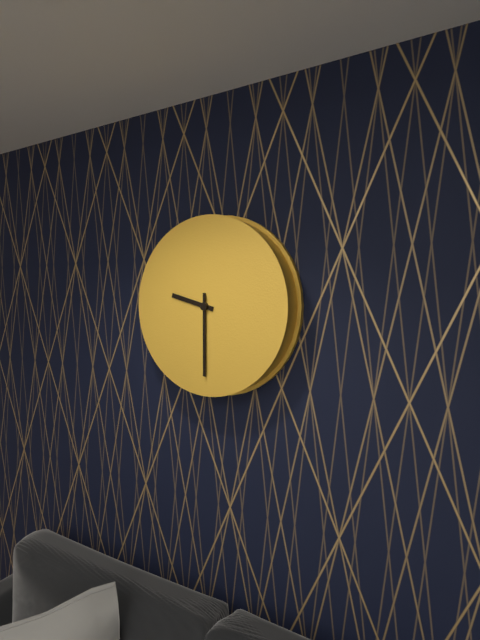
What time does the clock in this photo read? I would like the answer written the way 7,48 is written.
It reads 9,30
